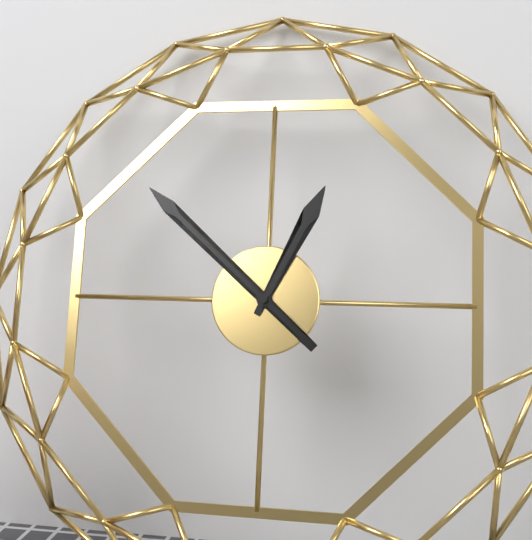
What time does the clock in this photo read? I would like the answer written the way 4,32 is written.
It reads 12,52
